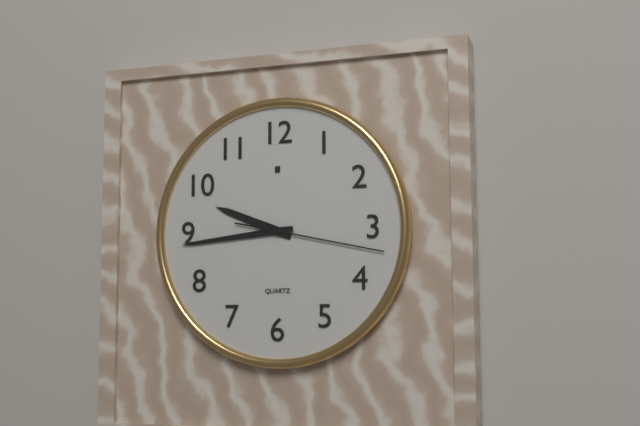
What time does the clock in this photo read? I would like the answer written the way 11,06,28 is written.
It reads 9,44,17
